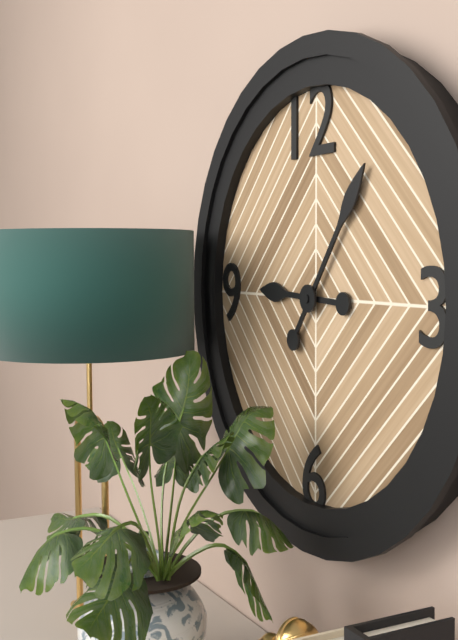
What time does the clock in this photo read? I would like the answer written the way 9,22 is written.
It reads 9,06
